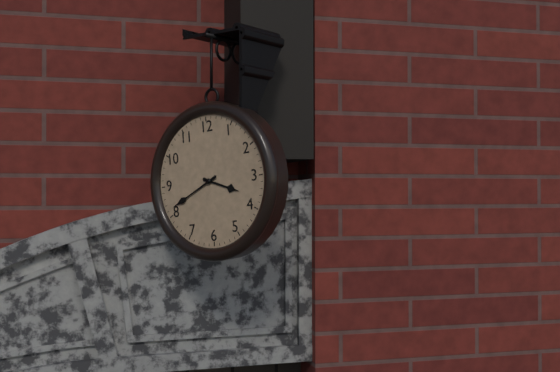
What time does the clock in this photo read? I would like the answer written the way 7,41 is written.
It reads 3,41
